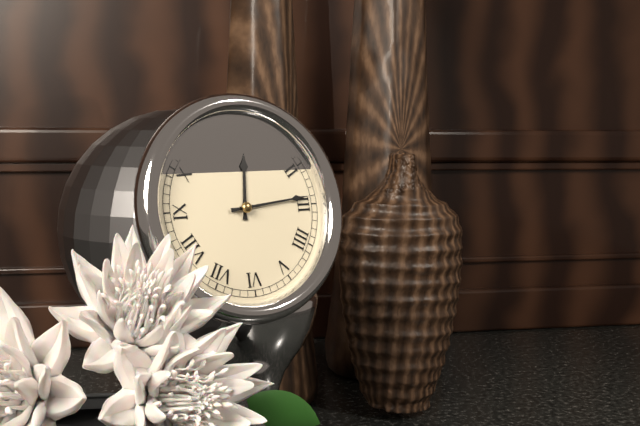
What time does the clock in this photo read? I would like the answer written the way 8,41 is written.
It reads 12,14
